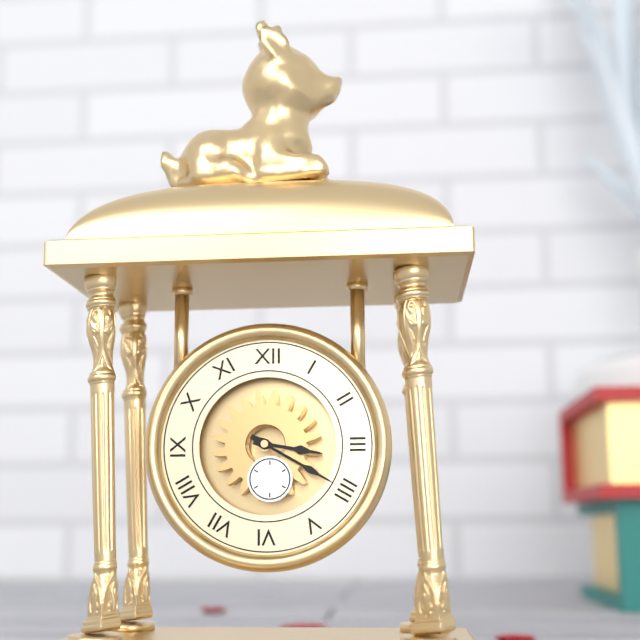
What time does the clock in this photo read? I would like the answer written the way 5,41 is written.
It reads 3,20
